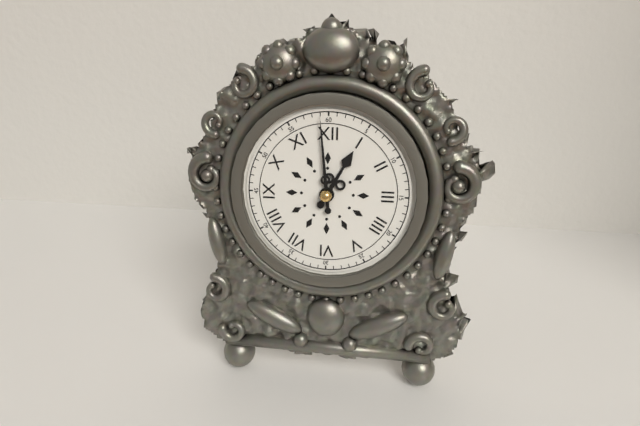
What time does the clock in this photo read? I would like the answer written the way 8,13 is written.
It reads 12,59
